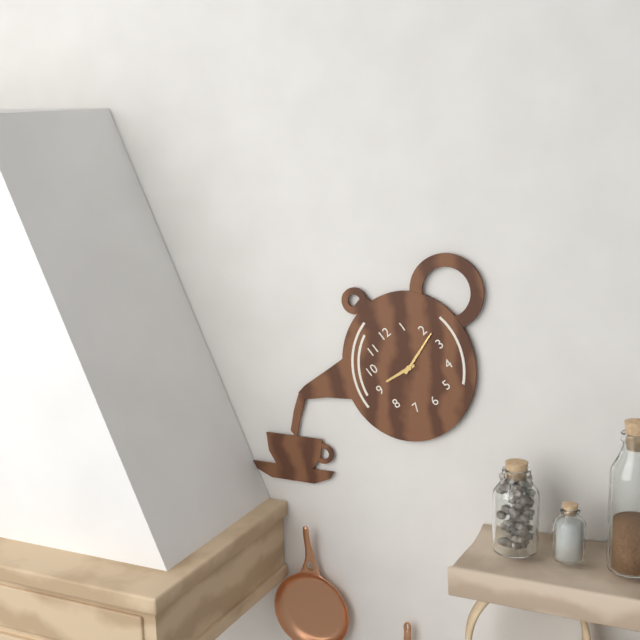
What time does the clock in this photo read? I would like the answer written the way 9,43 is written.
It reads 9,12
